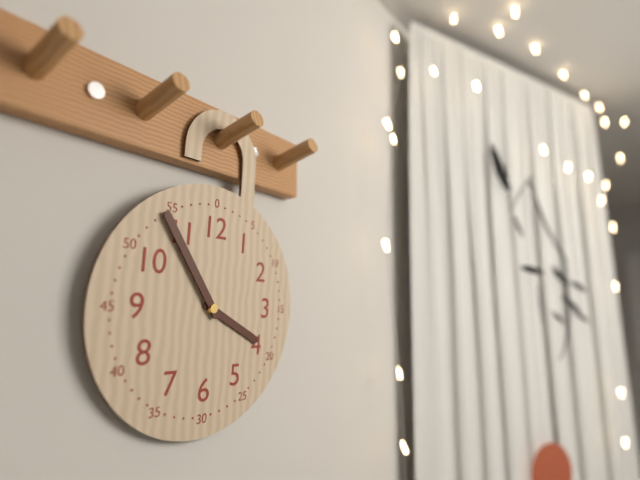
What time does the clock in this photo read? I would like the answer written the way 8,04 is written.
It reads 3,54
